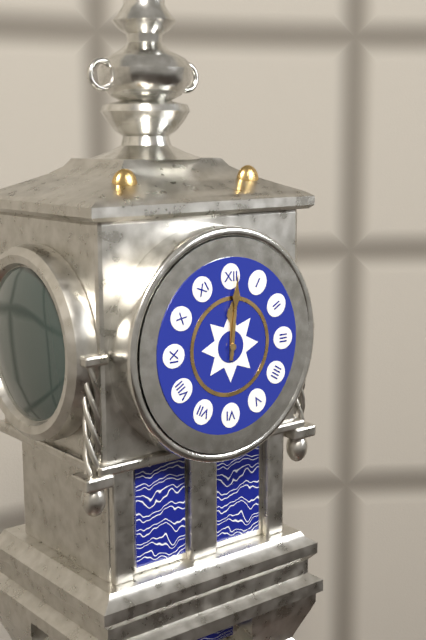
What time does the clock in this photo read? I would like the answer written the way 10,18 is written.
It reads 12,01
